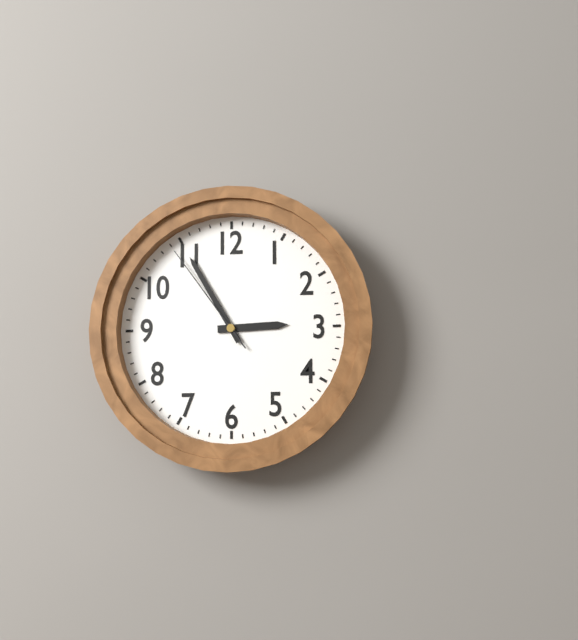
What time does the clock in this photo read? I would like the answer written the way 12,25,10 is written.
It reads 2,55,54
